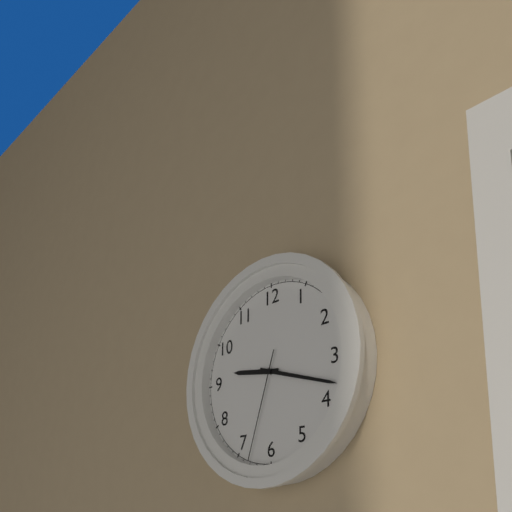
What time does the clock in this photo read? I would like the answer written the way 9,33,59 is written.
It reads 9,18,33
